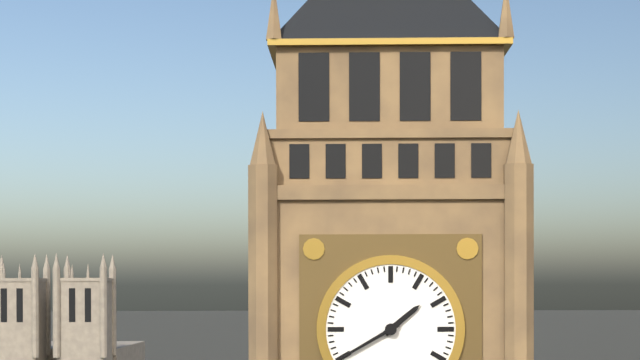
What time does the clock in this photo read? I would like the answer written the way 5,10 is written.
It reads 1,40
